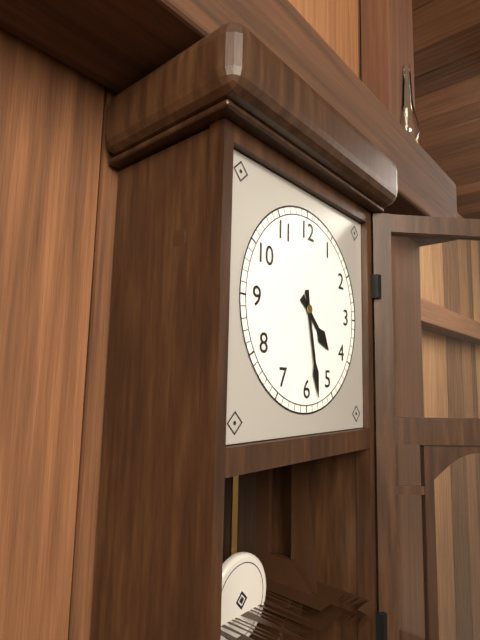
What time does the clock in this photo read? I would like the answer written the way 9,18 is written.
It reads 4,28
